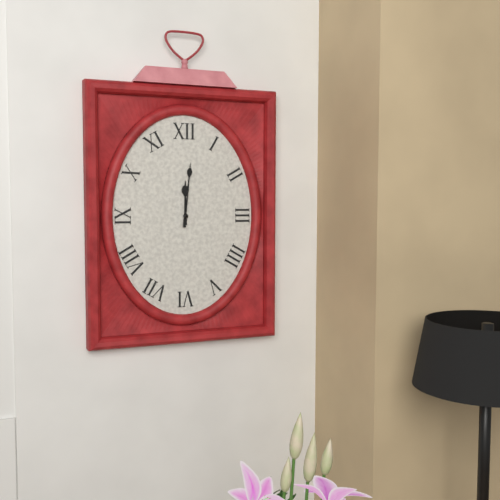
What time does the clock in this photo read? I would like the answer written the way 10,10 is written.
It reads 12,01
